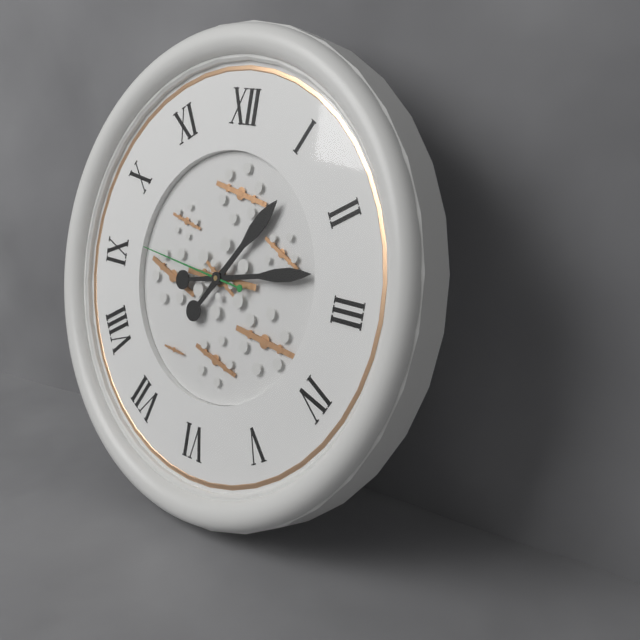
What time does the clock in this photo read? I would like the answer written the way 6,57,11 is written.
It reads 1,13,46
